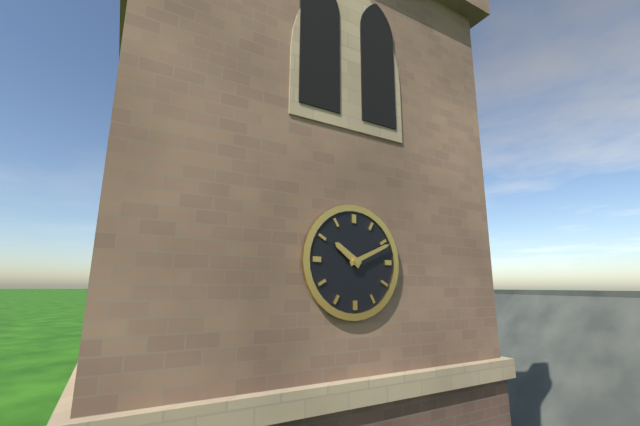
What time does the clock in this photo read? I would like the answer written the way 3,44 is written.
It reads 10,11
